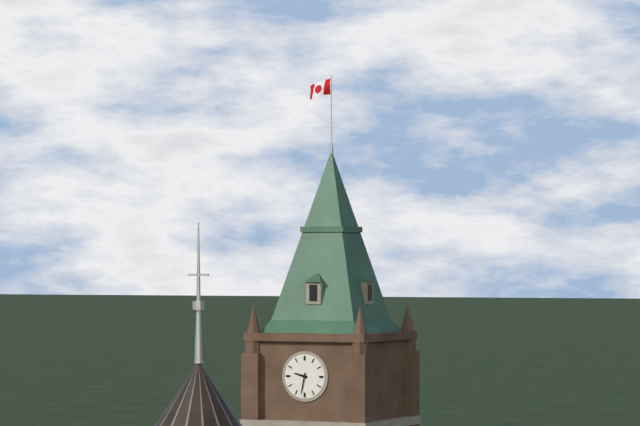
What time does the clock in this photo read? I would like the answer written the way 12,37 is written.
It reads 9,32
